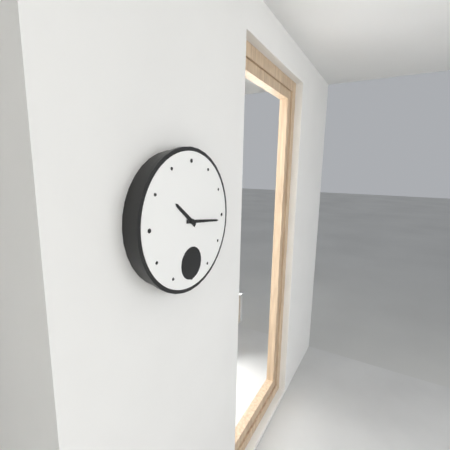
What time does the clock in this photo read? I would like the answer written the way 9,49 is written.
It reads 10,16
